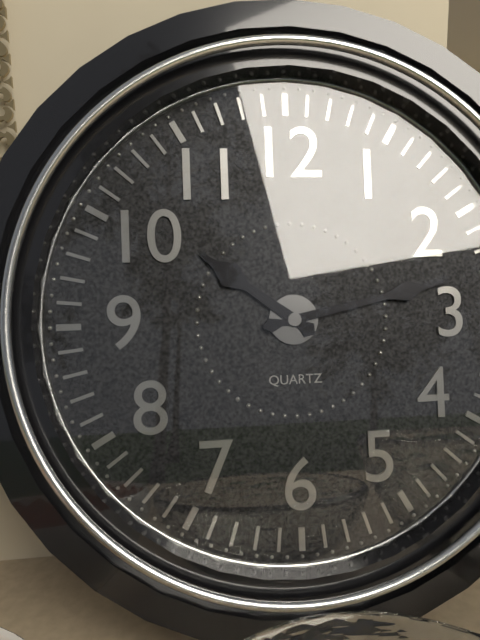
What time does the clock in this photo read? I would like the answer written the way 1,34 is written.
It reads 10,13
